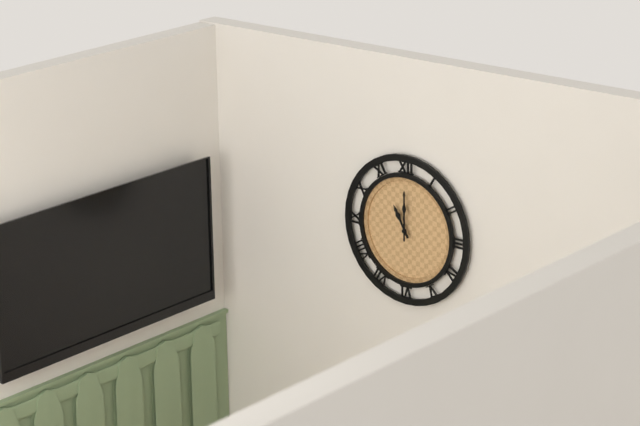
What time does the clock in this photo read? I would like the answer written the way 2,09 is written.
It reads 11,00
